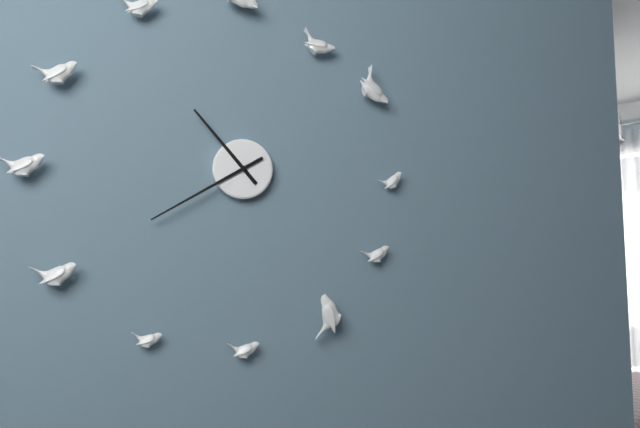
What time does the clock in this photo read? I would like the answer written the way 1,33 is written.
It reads 10,40
